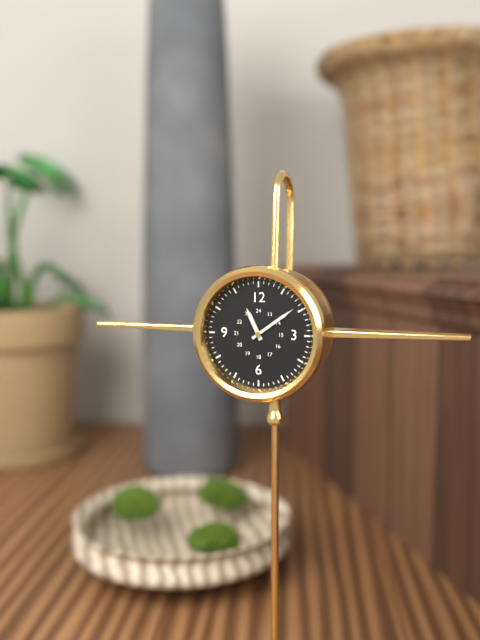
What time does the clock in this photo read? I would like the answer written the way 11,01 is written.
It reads 11,09
